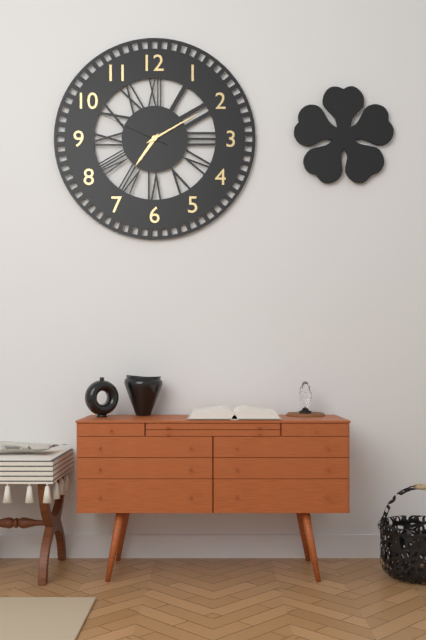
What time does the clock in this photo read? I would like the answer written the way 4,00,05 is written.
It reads 7,10,49
